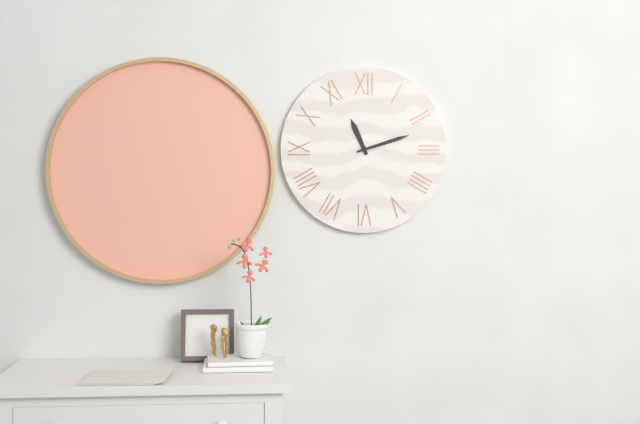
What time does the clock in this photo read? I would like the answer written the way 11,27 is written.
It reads 11,12
